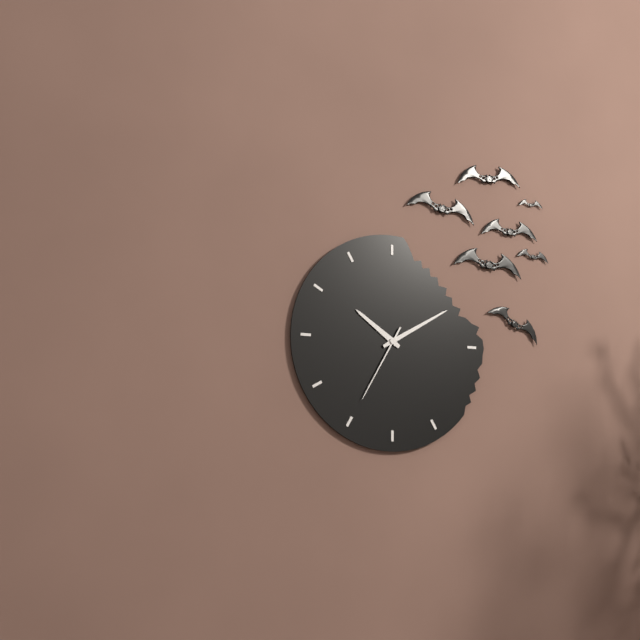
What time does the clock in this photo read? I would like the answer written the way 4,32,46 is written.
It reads 10,10,35
